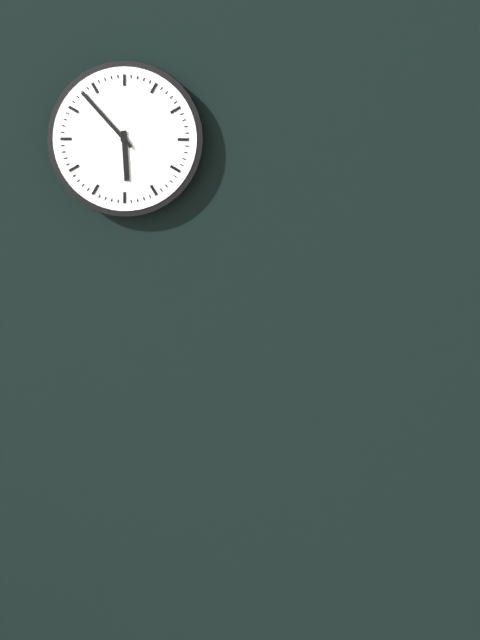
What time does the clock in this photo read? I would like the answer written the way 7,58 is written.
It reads 5,53
